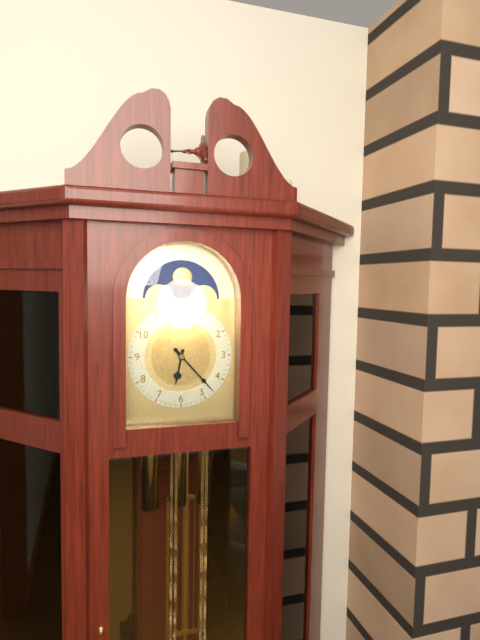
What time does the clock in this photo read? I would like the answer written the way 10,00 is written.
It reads 6,23
